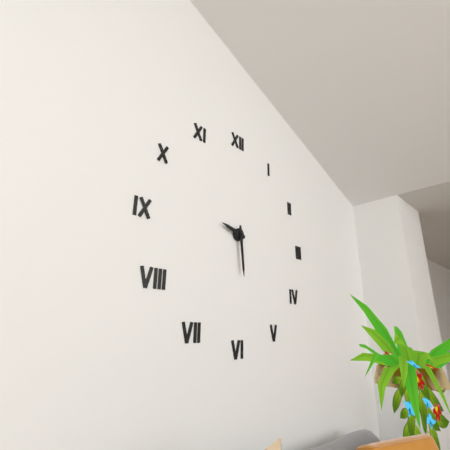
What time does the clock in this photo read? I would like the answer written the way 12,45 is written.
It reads 9,29
